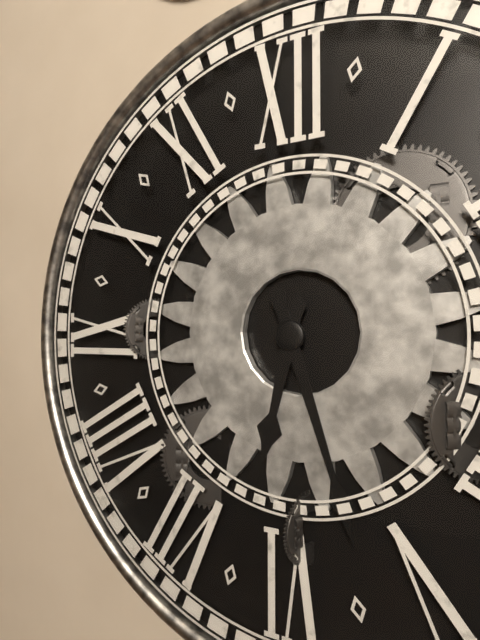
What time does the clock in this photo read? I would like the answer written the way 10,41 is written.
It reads 6,27
